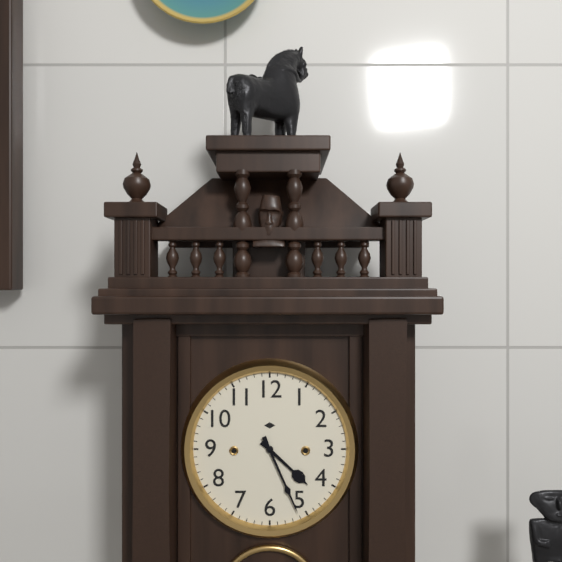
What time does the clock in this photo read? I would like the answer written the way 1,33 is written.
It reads 4,26
